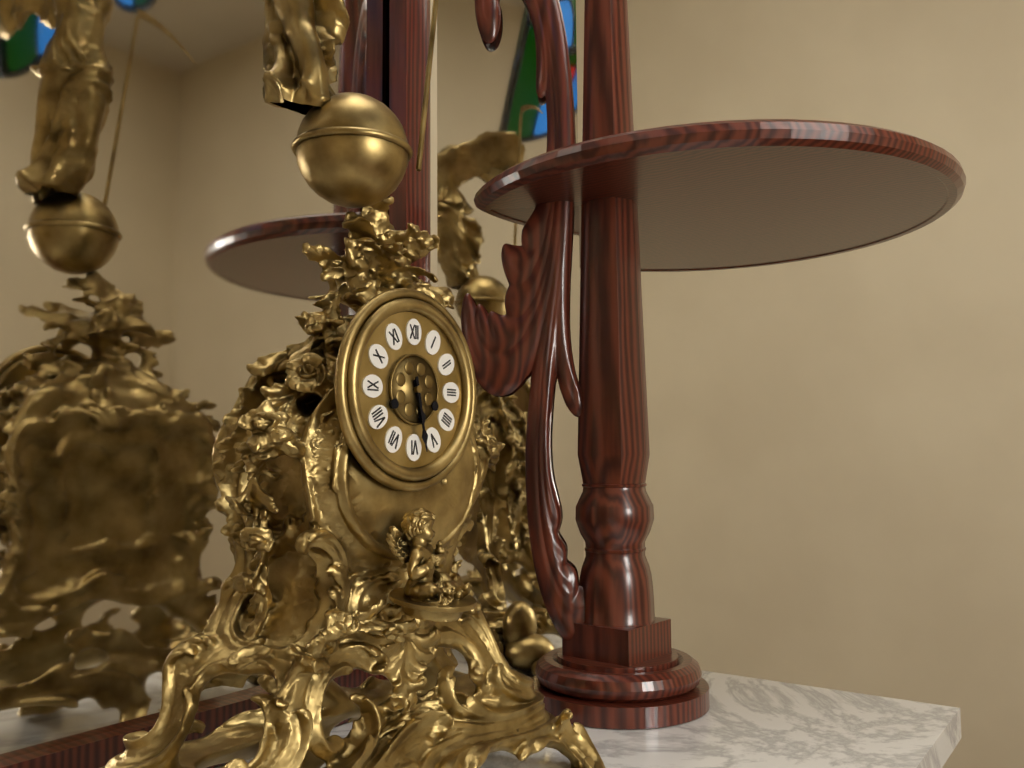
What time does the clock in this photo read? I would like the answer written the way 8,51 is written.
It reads 5,28
